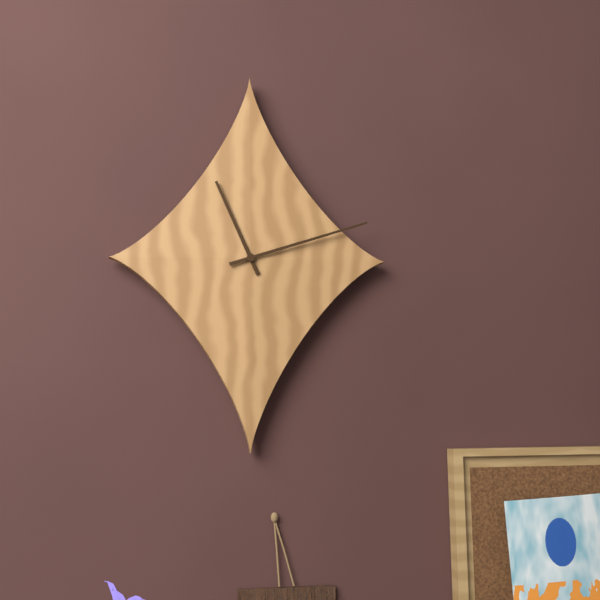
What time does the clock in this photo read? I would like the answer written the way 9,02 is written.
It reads 11,12
